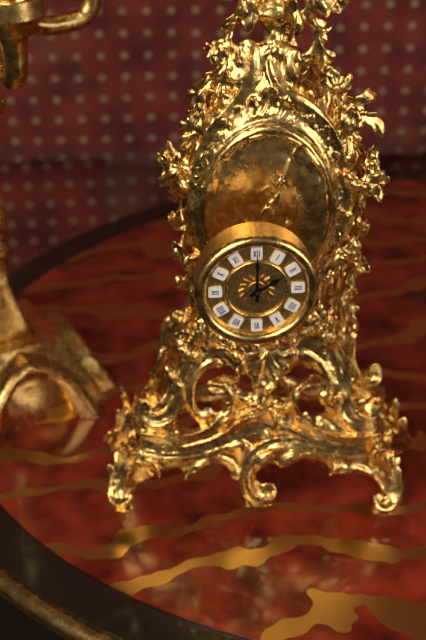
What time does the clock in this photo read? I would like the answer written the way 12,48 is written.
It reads 2,00
